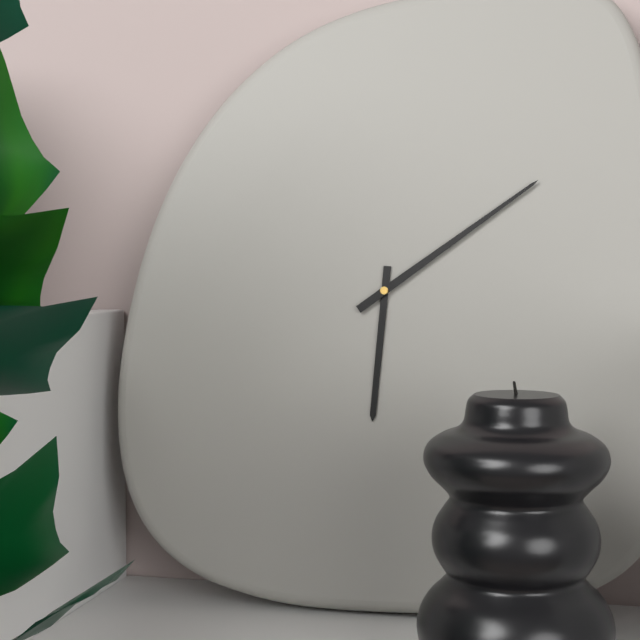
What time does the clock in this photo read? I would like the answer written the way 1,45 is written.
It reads 6,09
